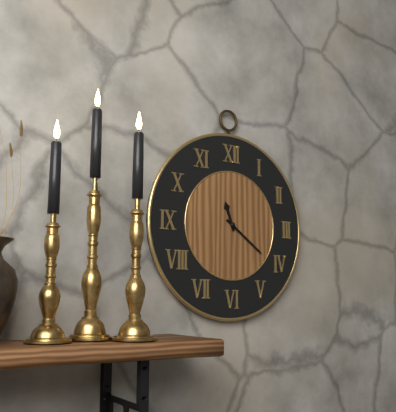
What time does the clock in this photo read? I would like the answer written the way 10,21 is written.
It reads 11,21
